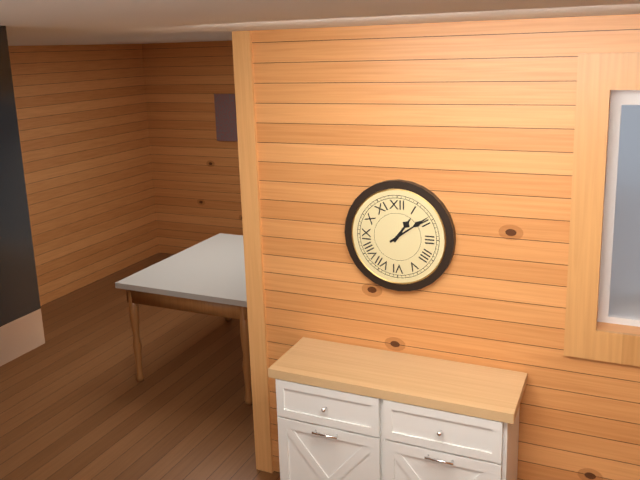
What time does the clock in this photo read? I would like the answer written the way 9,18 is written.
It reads 1,09
